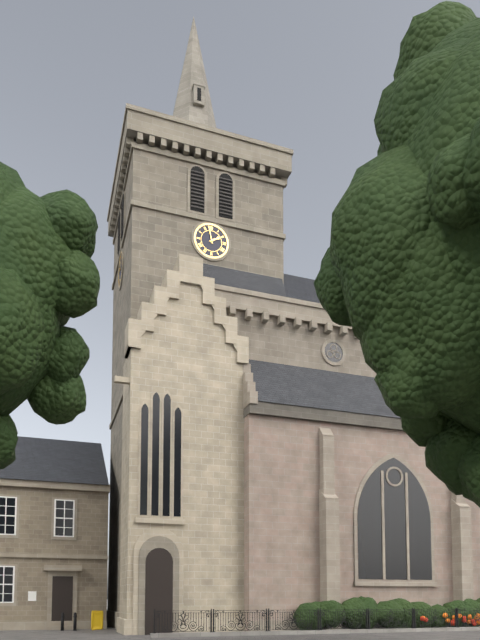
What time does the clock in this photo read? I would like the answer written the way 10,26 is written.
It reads 1,58
